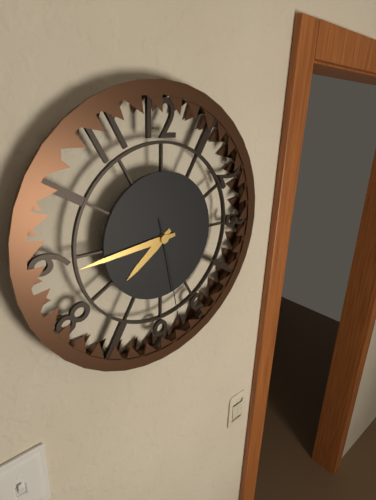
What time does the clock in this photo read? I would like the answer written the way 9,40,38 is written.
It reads 7,44,28
